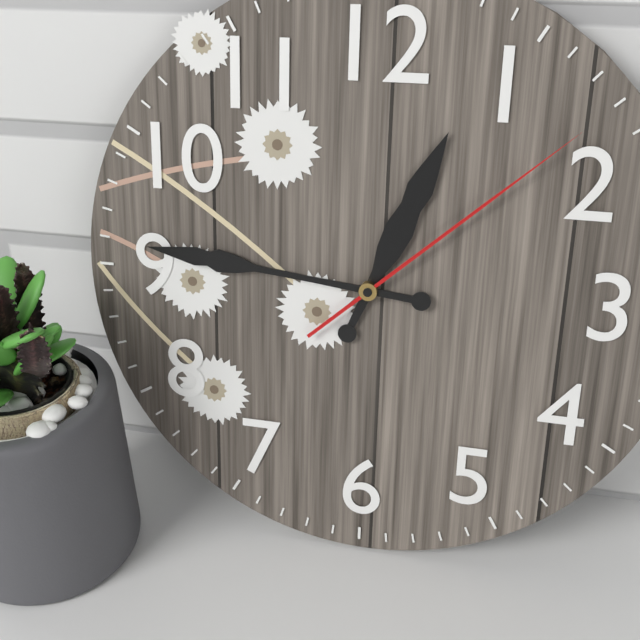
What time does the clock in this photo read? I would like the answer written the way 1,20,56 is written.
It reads 12,46,08
